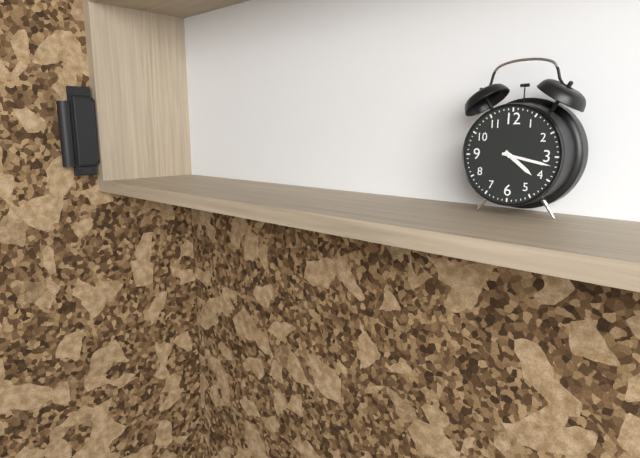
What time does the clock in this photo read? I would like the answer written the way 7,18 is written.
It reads 4,17
